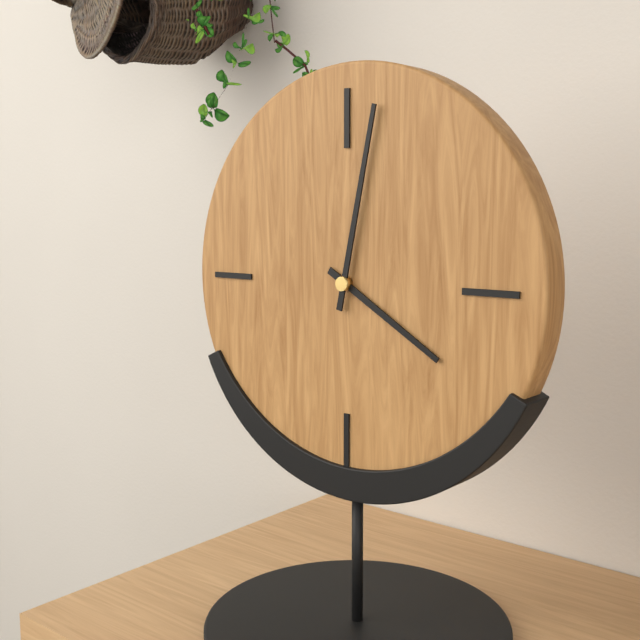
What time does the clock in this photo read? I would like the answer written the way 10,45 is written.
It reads 4,02
